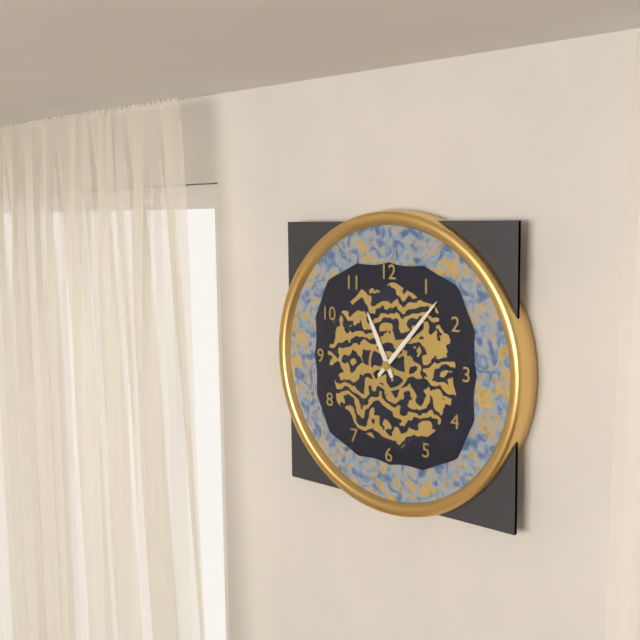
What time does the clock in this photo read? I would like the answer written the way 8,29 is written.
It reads 11,07
